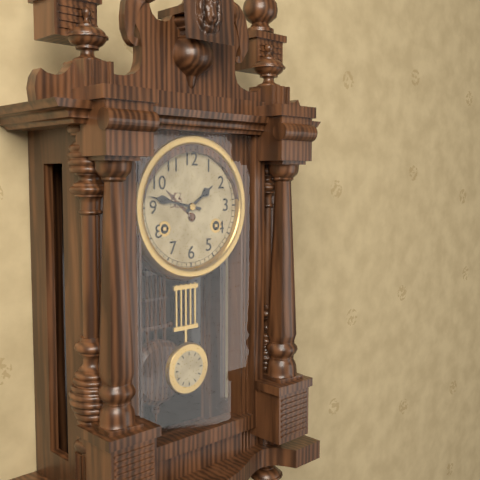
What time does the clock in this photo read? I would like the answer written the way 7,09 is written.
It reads 1,47
